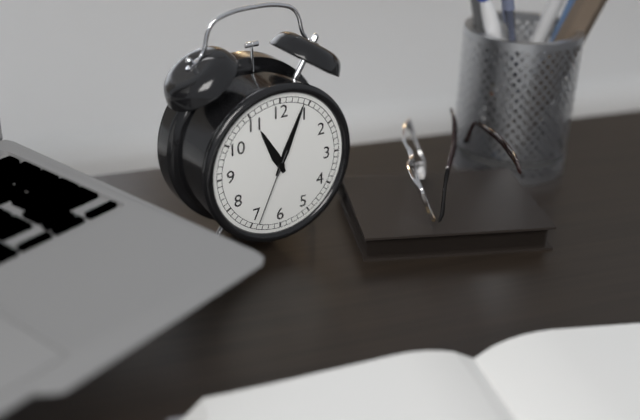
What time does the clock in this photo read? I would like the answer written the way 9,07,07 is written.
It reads 11,04,34
